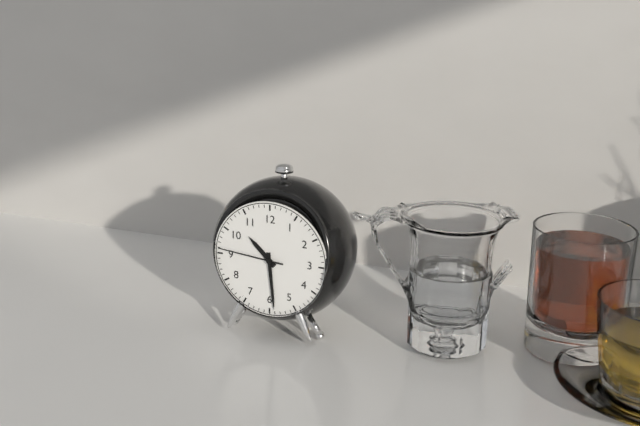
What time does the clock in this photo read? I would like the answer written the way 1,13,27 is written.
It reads 10,29,46
